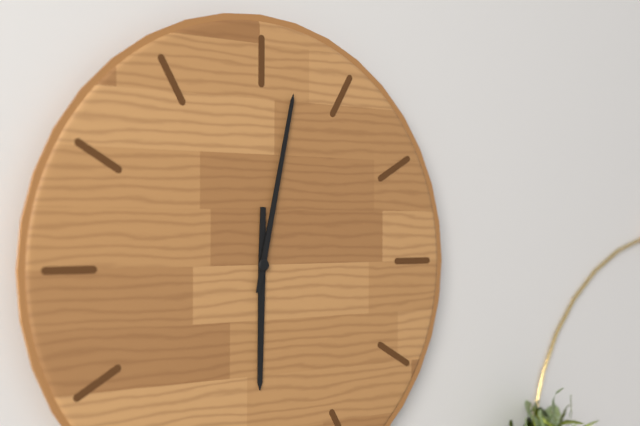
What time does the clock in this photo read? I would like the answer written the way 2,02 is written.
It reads 6,02
